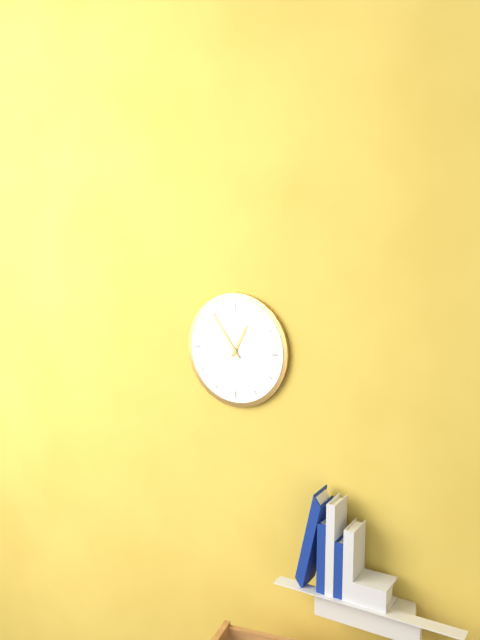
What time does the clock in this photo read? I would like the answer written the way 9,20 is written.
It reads 12,54
